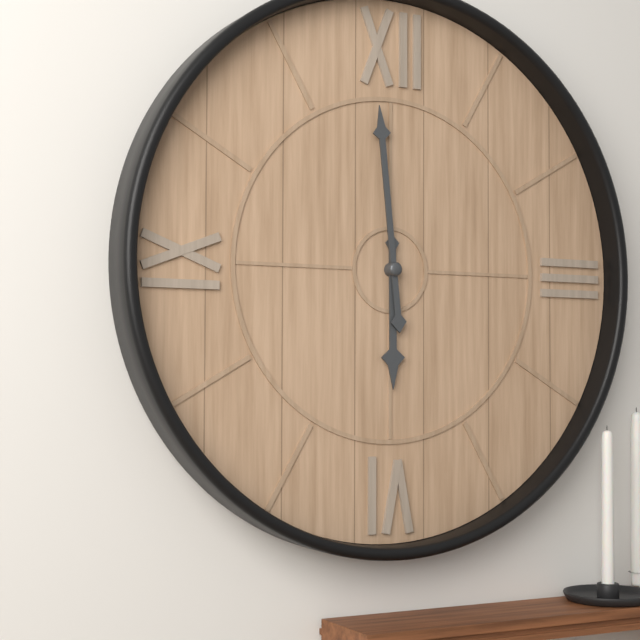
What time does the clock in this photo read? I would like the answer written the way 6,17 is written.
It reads 5,59
